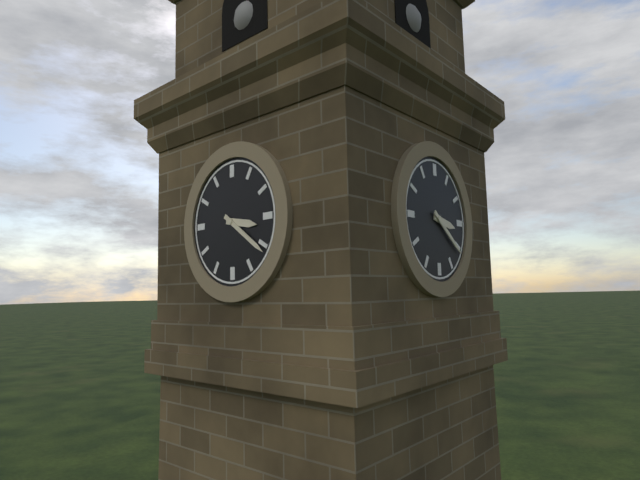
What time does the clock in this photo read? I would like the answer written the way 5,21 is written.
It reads 3,21
